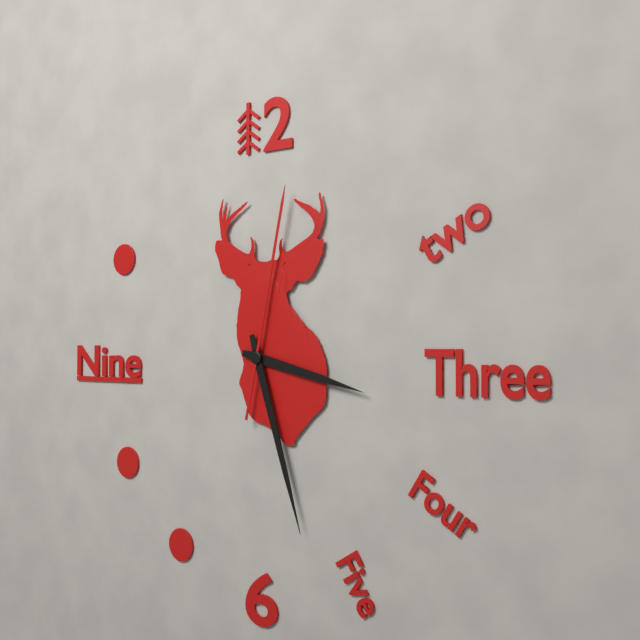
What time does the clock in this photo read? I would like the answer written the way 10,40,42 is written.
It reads 3,27,02
